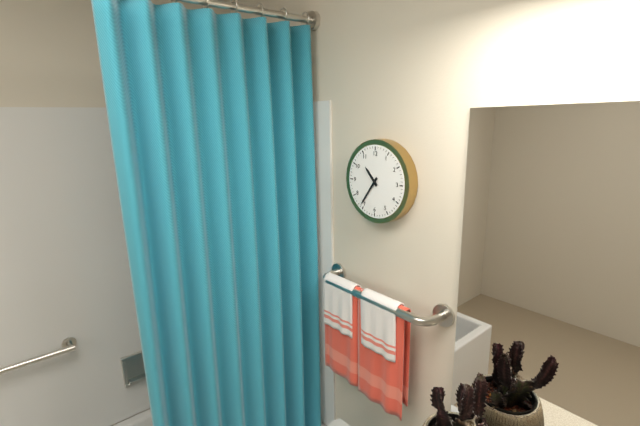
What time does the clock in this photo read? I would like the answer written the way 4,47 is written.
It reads 10,36
